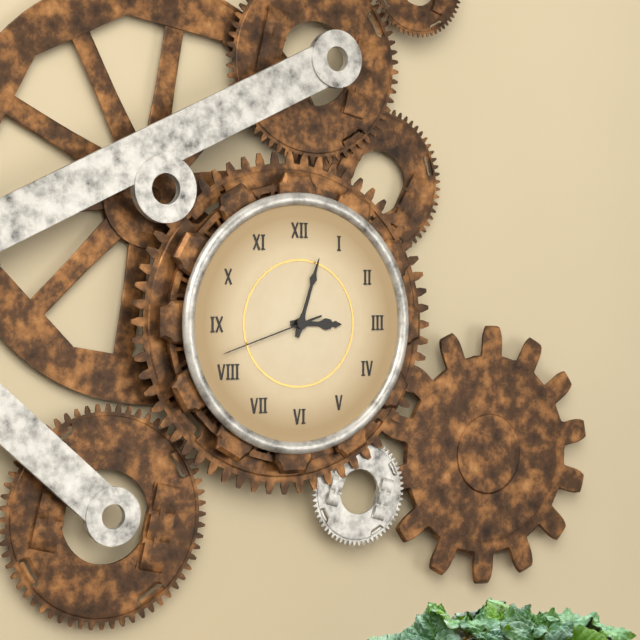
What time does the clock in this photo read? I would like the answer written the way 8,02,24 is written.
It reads 3,03,42
